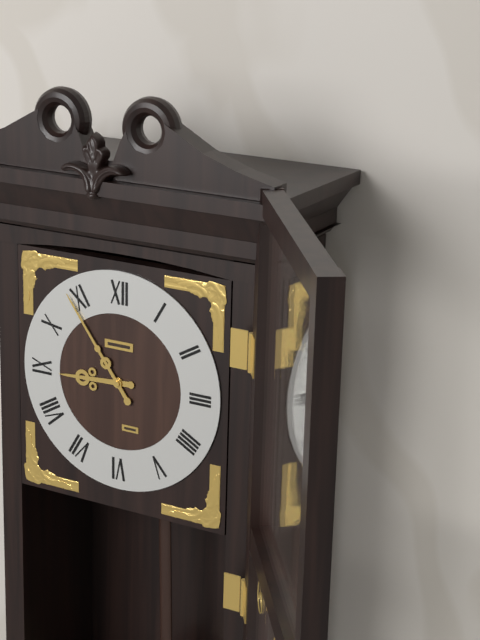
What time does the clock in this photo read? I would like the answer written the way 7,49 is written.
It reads 8,54
